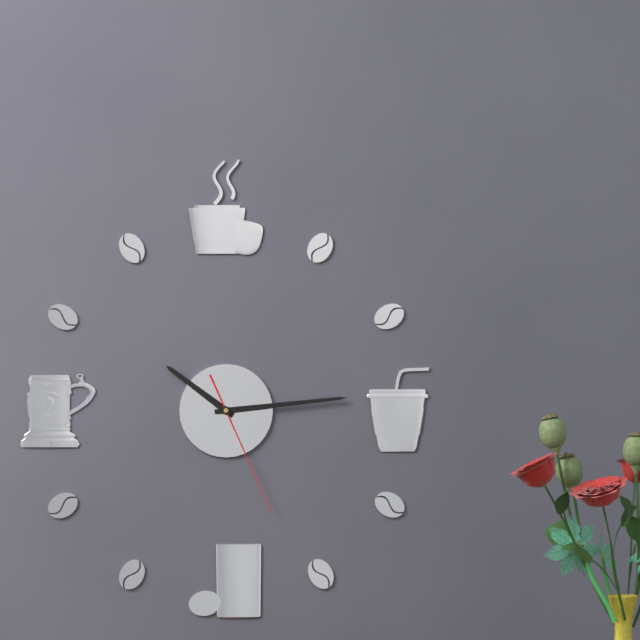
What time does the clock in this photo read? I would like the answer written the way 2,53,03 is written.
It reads 10,14,26
